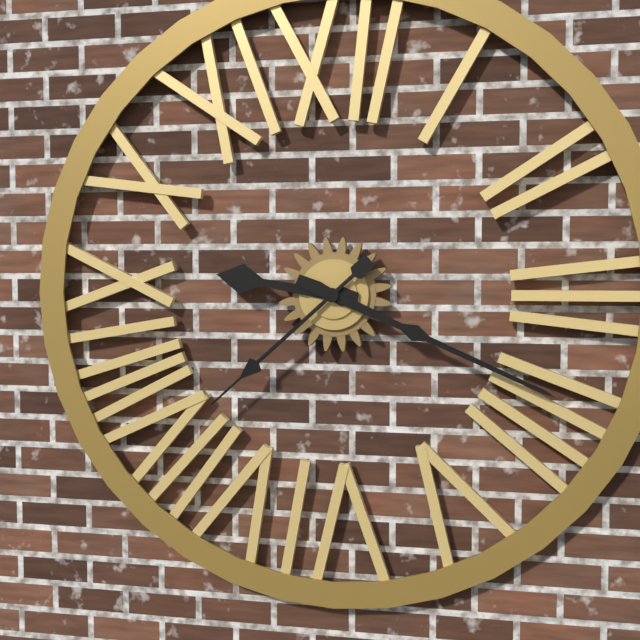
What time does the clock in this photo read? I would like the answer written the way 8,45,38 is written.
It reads 9,19,38
